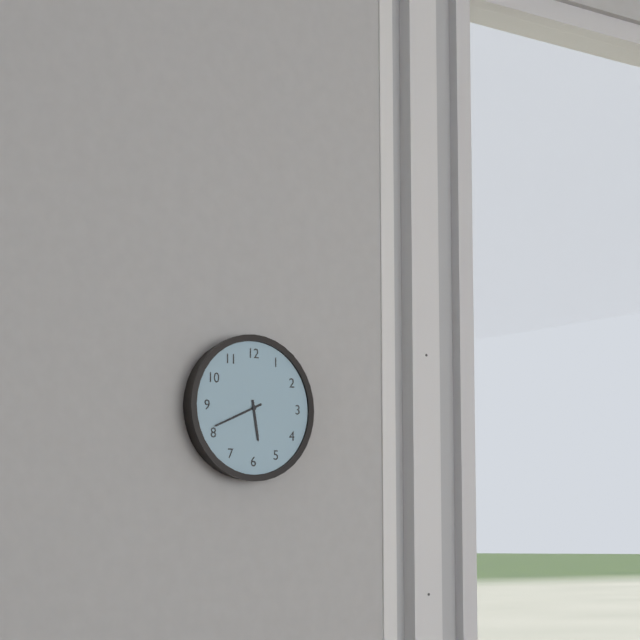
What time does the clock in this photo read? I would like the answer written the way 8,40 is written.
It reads 5,41
